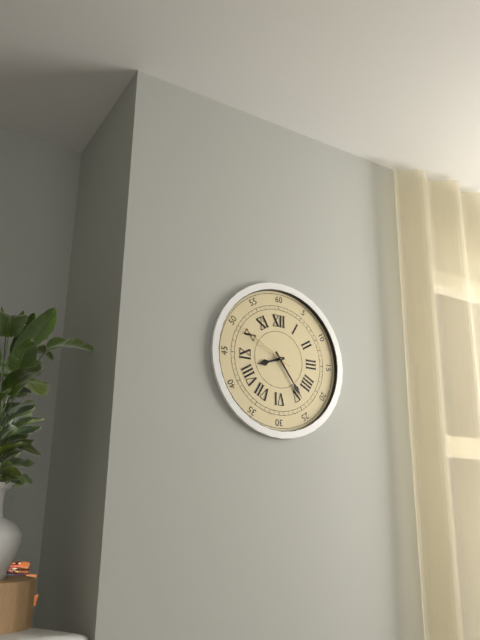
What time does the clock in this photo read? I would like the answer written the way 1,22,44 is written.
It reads 8,24,50
